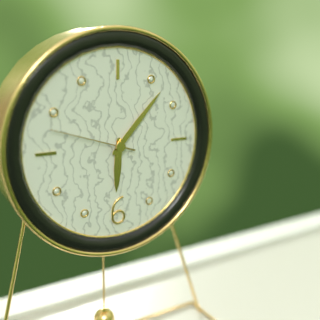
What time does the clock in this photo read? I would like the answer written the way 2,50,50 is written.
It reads 6,07,48
